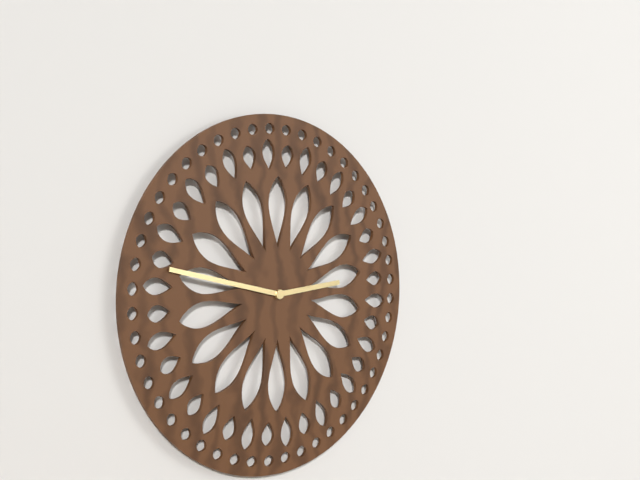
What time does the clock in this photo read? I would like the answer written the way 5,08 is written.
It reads 2,47
